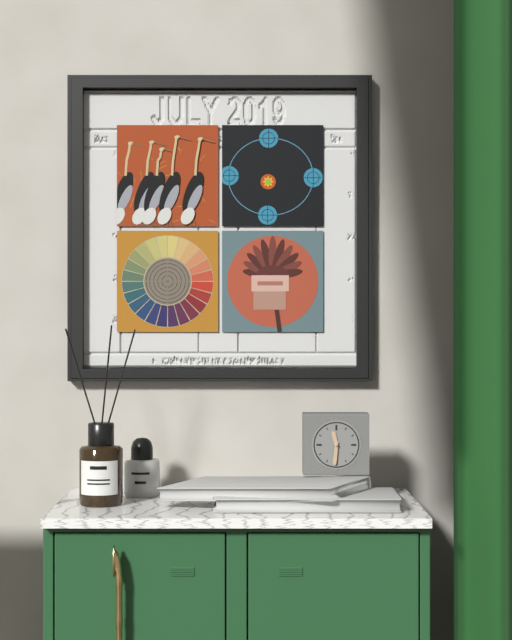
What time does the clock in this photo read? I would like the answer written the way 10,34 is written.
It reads 11,31
